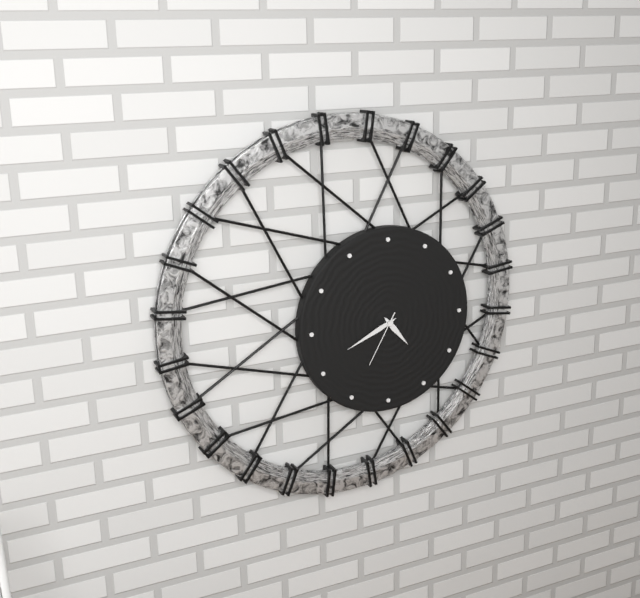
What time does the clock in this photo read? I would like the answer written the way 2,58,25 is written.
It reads 4,41,35
